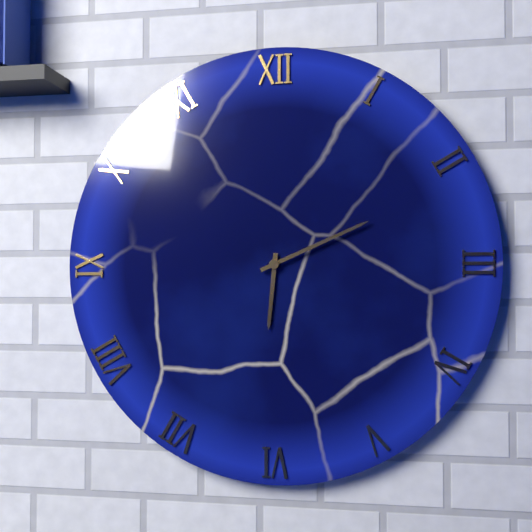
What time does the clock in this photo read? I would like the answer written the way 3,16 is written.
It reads 6,11
